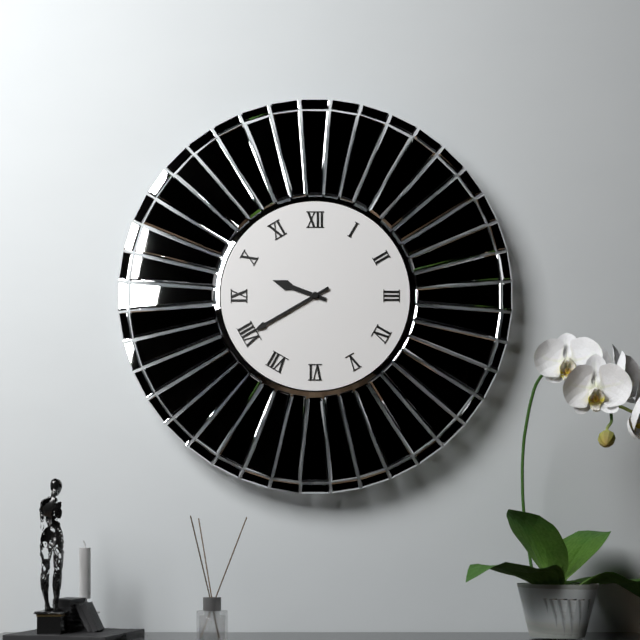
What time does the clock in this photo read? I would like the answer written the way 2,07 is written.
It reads 9,40
